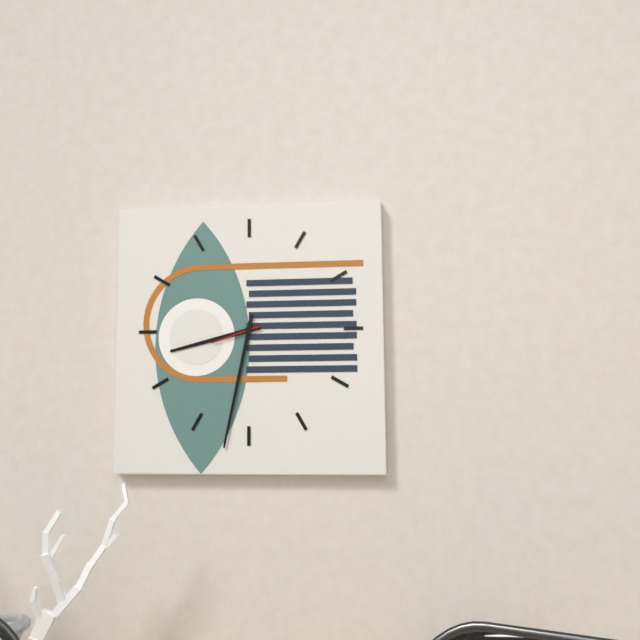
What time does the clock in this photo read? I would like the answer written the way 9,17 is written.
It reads 8,32
